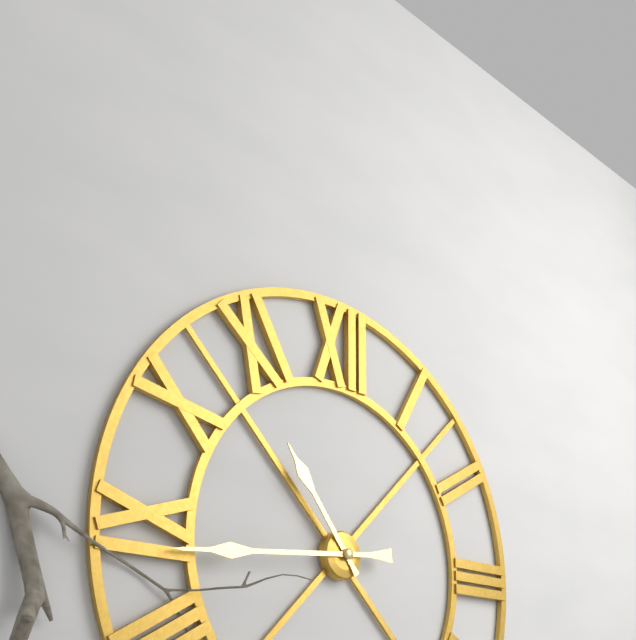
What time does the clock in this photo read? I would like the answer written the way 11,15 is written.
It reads 10,44
